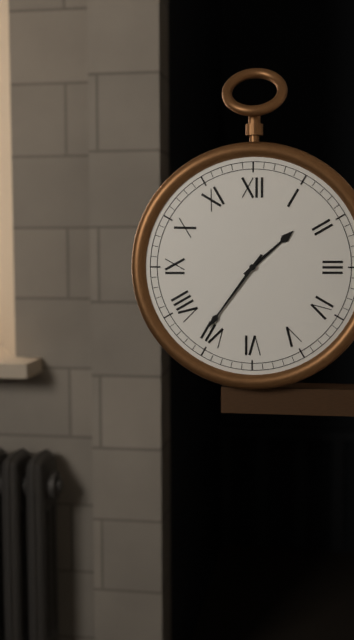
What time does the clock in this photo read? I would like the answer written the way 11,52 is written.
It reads 1,36
